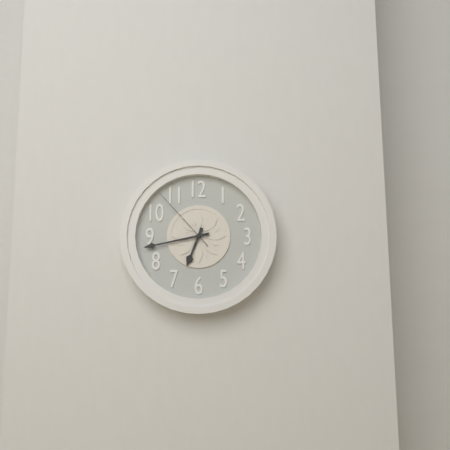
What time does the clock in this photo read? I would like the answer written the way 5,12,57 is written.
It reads 6,43,53
